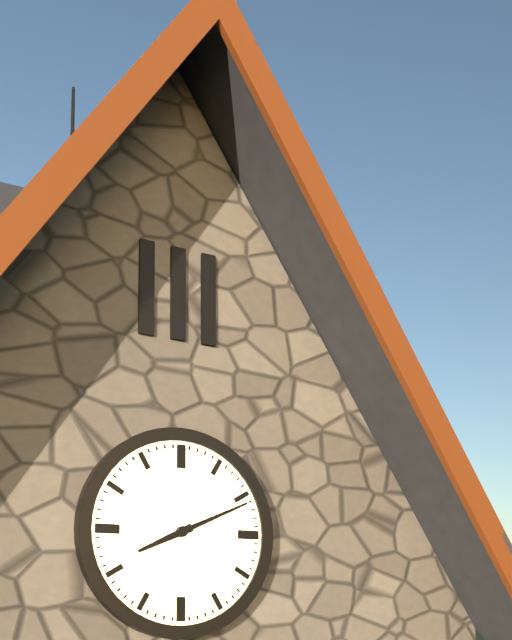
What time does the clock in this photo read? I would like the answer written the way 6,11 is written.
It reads 8,11
